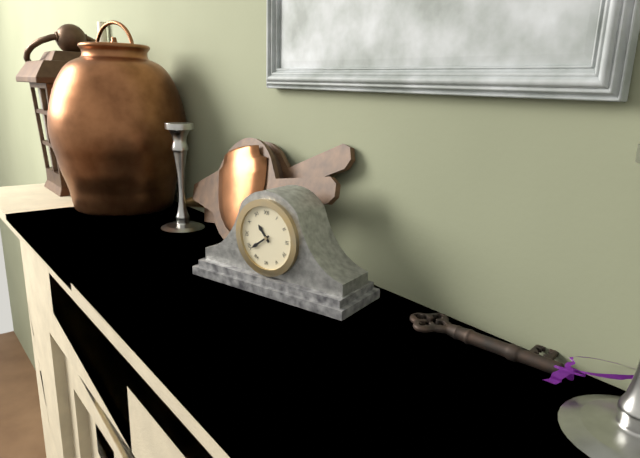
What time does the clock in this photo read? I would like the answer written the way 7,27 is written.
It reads 10,39
